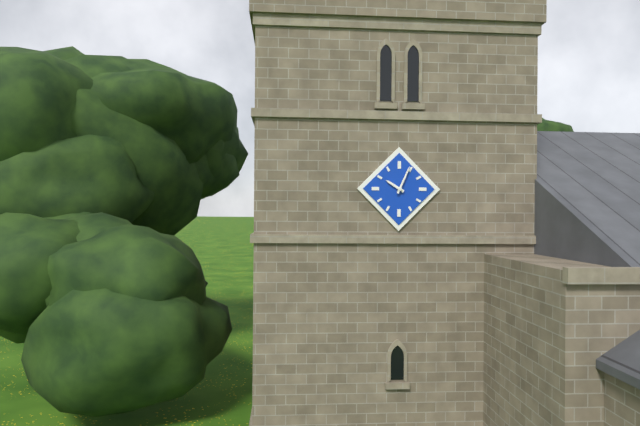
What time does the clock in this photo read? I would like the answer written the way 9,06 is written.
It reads 10,04
